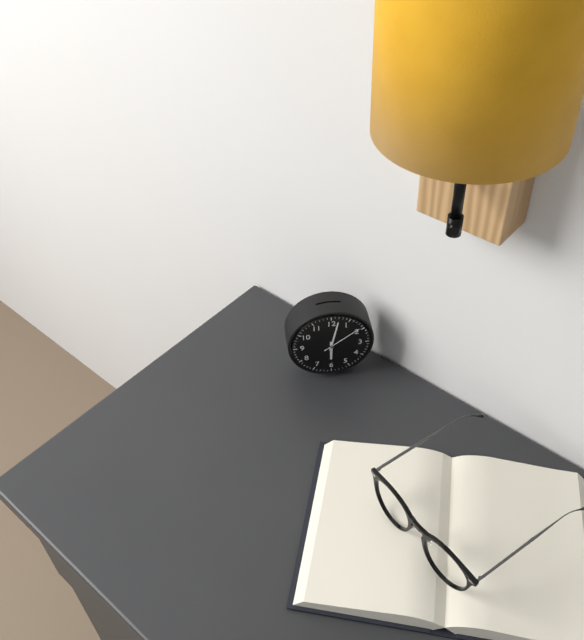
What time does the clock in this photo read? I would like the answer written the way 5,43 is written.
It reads 6,02
